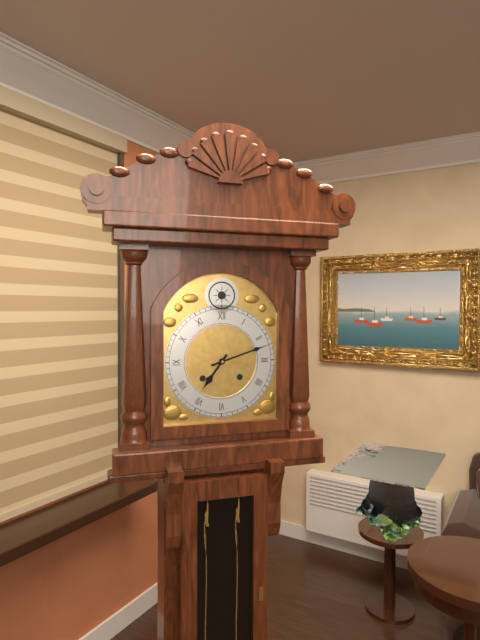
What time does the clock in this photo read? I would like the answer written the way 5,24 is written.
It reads 7,12
